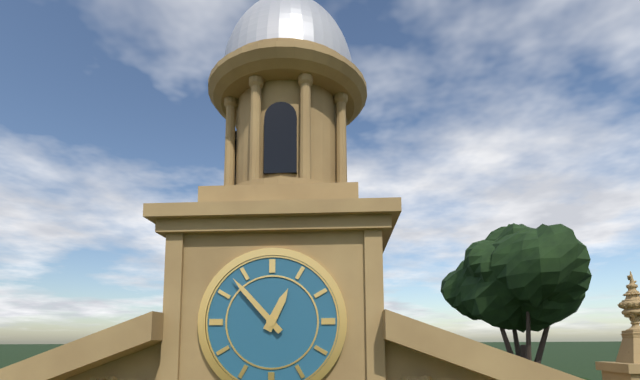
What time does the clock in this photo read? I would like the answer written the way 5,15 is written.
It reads 12,53
